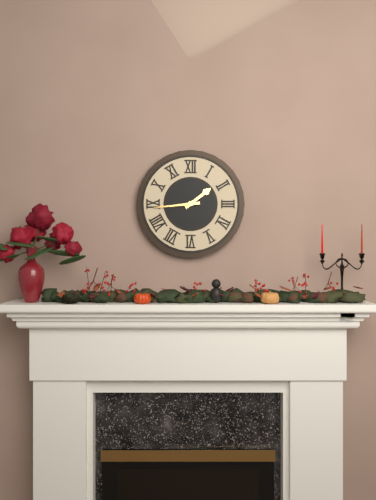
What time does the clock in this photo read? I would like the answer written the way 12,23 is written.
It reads 1,44
